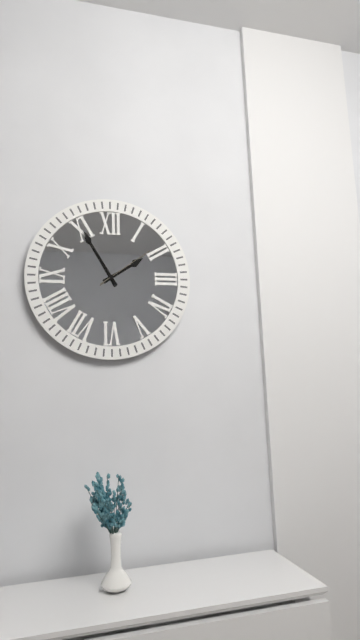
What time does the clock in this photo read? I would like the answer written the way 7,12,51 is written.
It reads 1,55,09
